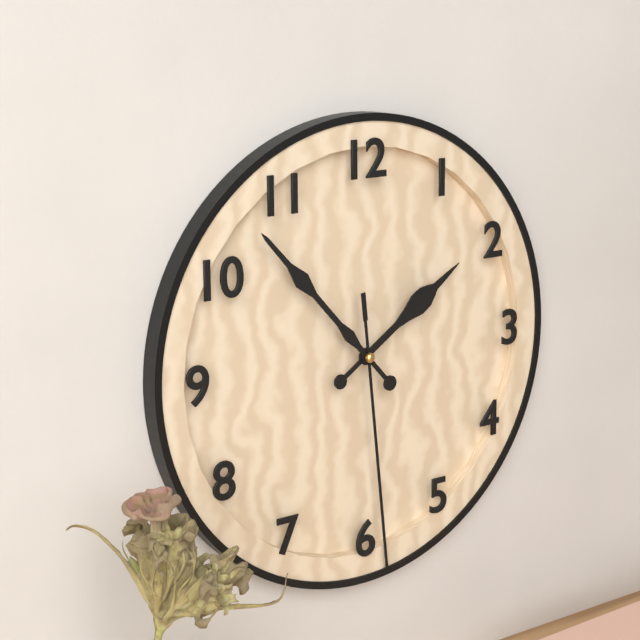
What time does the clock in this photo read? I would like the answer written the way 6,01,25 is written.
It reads 1,53,29
